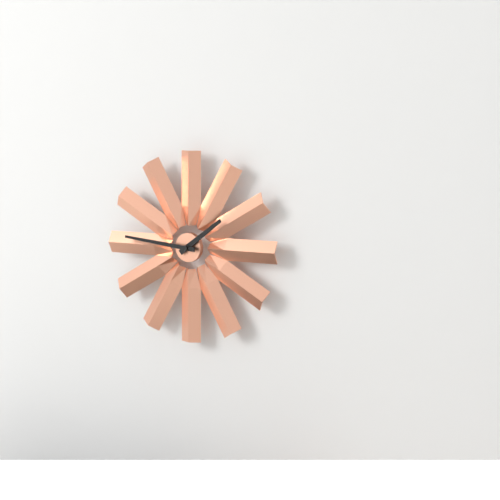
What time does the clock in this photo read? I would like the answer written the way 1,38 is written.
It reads 1,46
